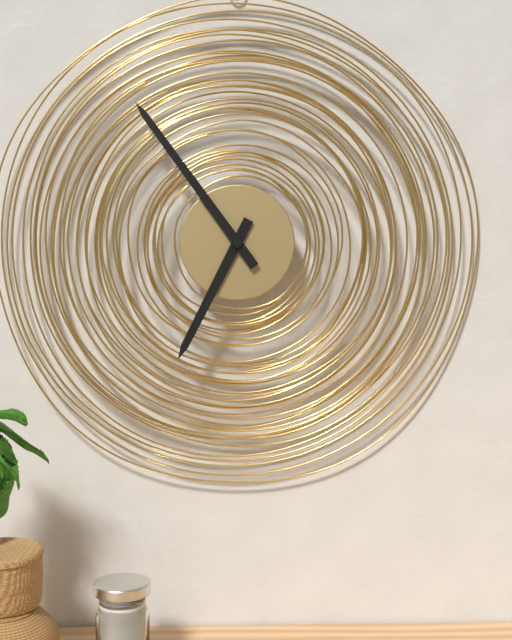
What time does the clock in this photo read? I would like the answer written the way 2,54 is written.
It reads 6,54
